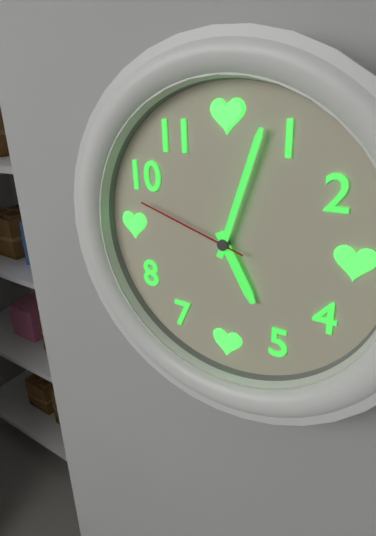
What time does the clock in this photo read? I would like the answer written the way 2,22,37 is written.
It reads 5,03,48
